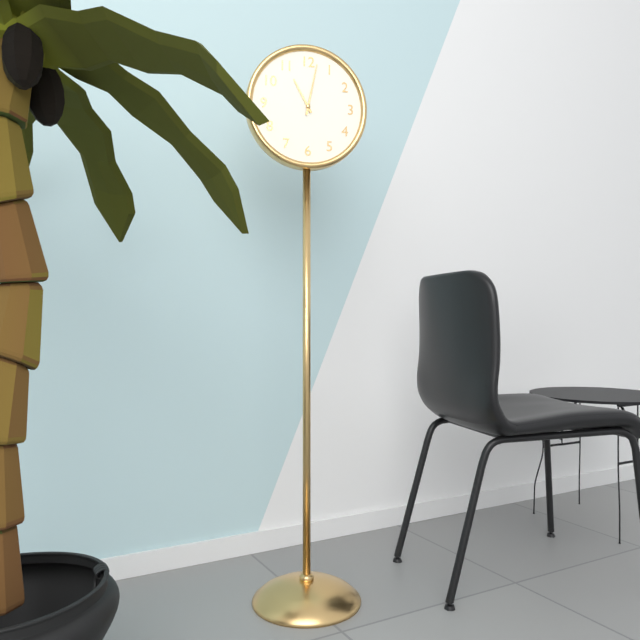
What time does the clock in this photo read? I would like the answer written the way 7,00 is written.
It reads 11,02
